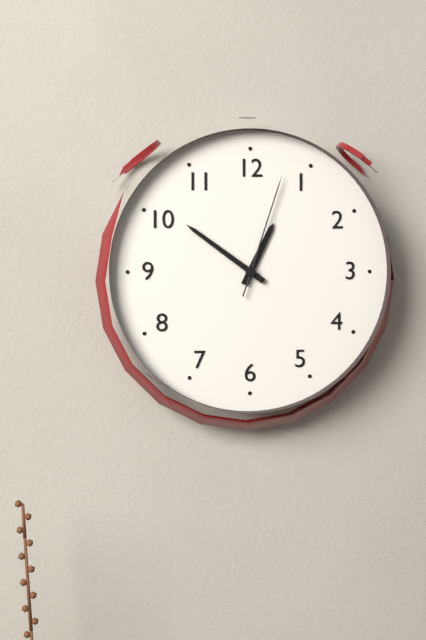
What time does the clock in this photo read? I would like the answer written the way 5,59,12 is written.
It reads 12,51,03
